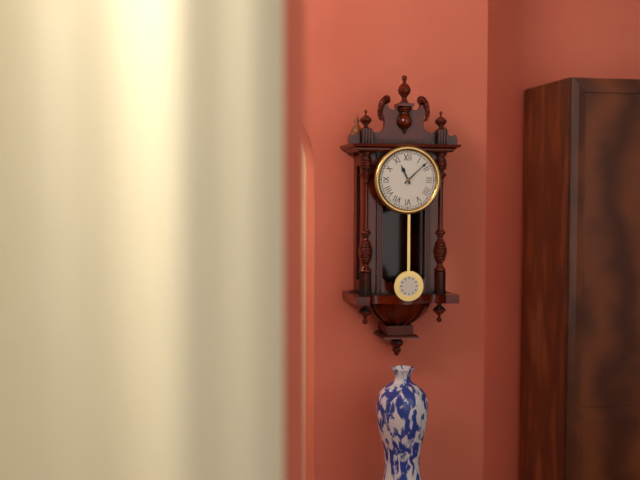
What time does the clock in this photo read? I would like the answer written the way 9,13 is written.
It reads 11,08
